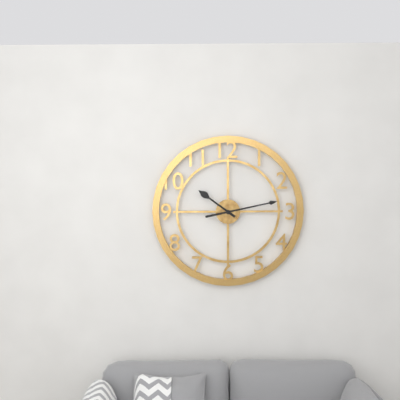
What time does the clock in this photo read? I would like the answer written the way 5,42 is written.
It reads 10,13
